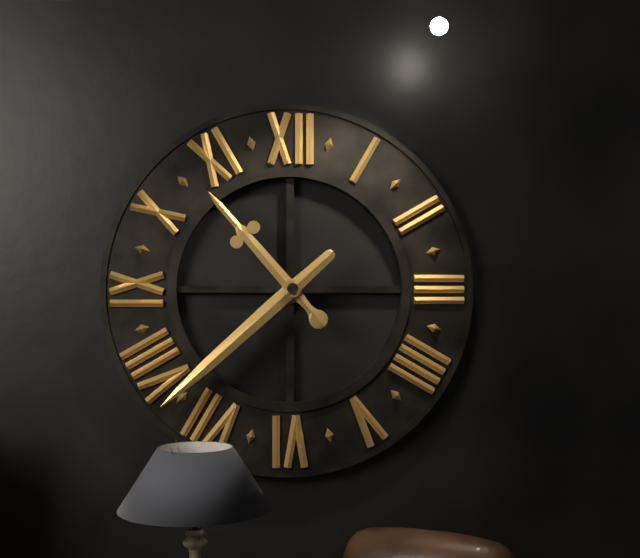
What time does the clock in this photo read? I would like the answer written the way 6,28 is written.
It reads 10,38
